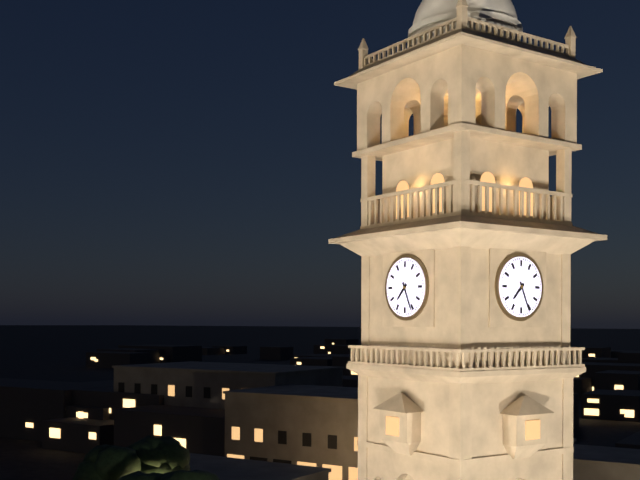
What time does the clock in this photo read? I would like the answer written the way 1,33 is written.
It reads 7,26
